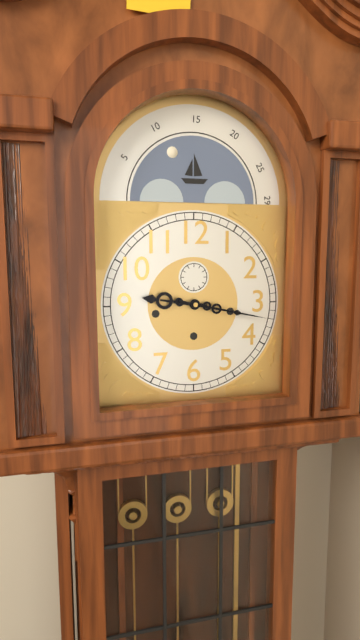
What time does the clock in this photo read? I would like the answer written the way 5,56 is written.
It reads 9,17
